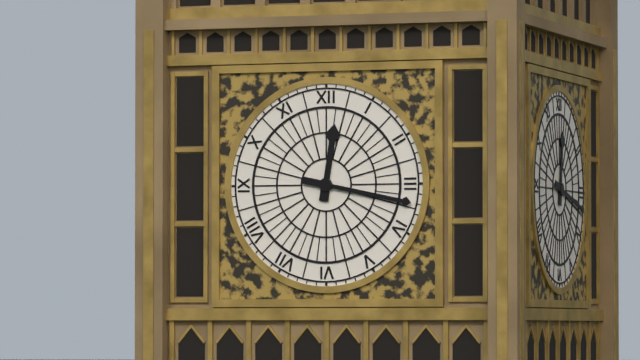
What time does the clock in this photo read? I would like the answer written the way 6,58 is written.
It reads 12,17
